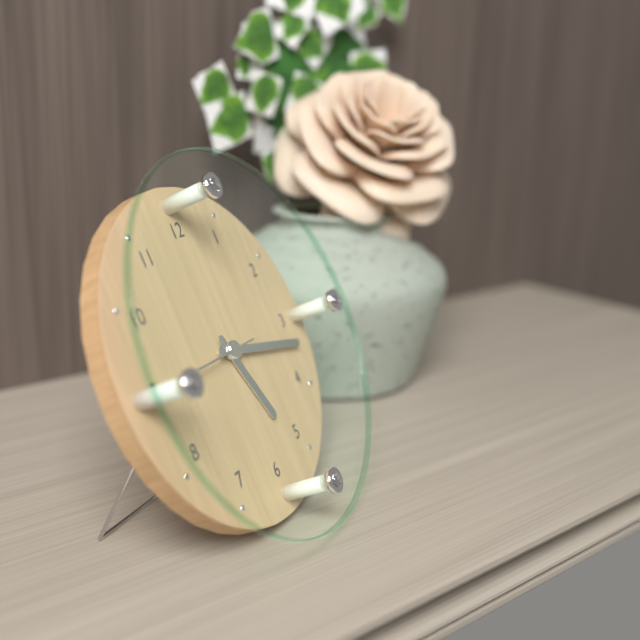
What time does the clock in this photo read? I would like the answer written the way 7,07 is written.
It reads 5,17
